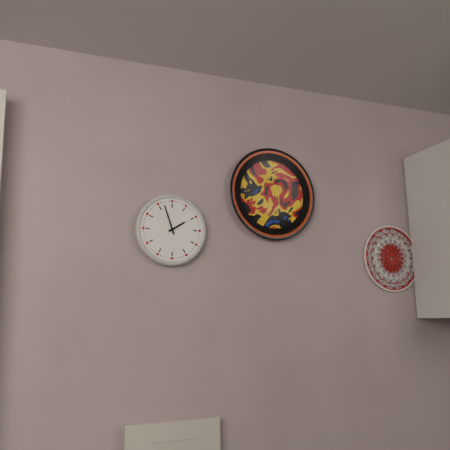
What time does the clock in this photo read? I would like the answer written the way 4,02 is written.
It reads 1,57
